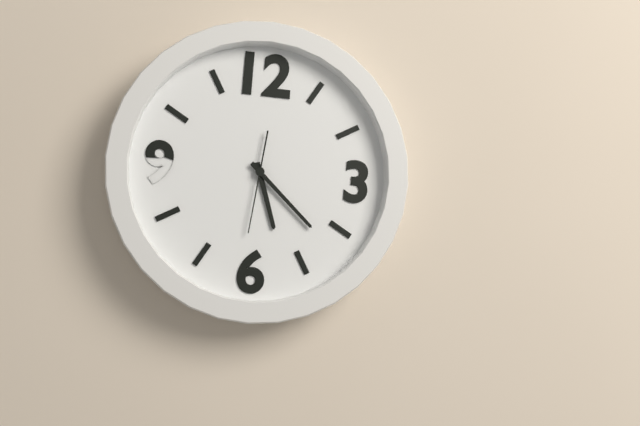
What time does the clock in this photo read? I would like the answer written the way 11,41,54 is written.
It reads 5,22,31
